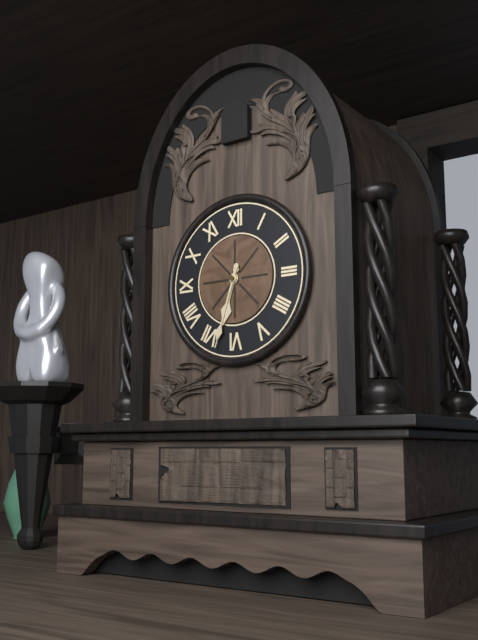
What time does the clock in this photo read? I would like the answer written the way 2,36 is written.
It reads 6,33
